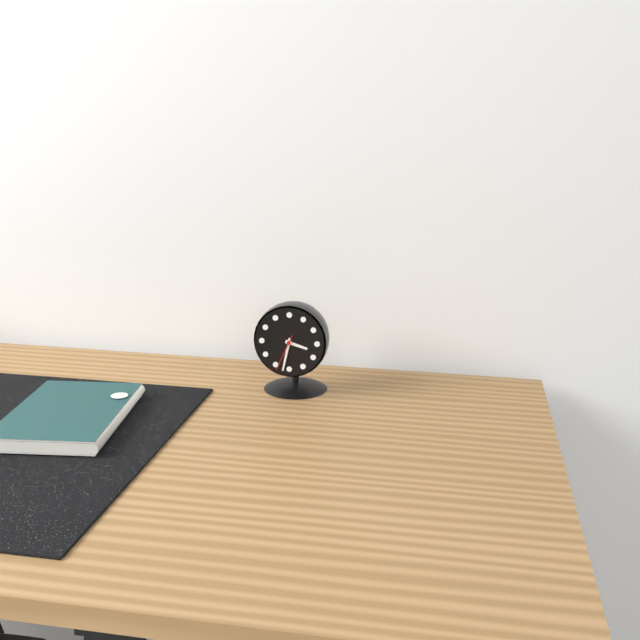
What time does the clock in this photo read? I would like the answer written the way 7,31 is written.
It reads 3,32
